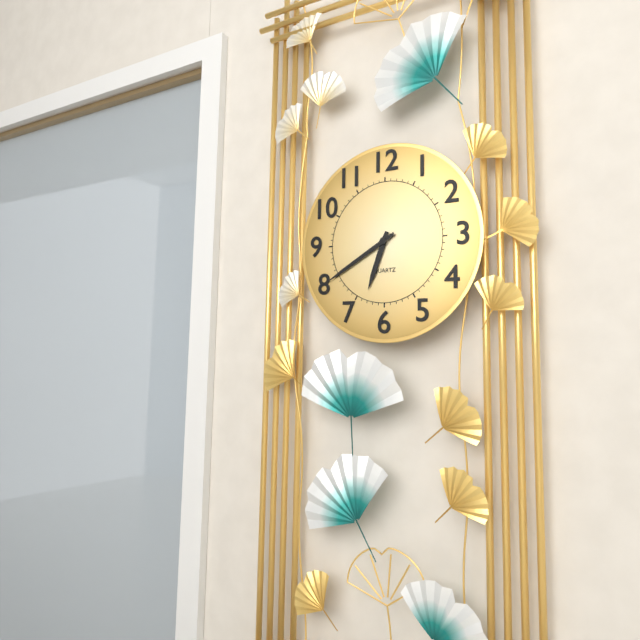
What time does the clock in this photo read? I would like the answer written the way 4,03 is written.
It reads 6,40
